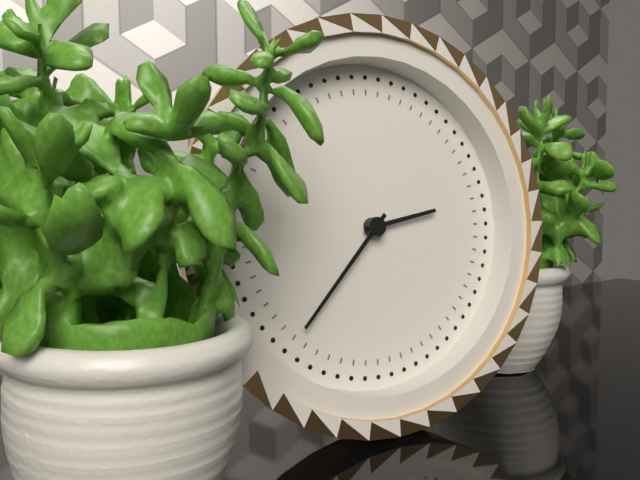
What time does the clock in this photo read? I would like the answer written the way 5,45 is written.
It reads 2,37
